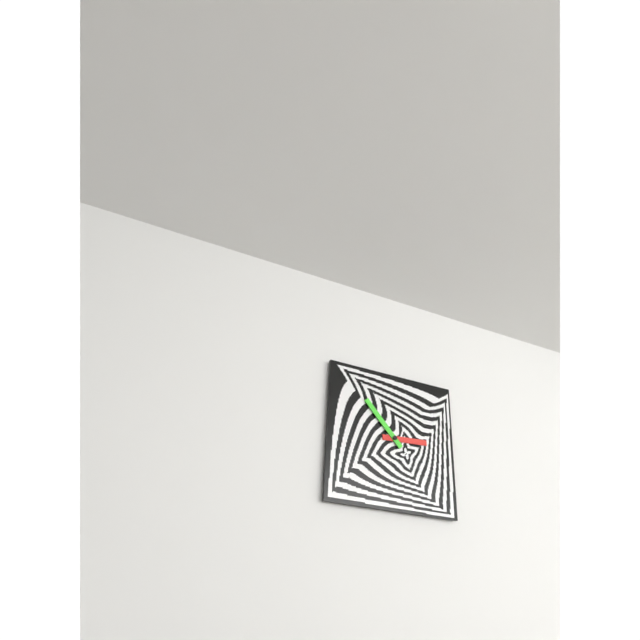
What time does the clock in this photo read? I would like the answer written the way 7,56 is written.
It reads 2,53
